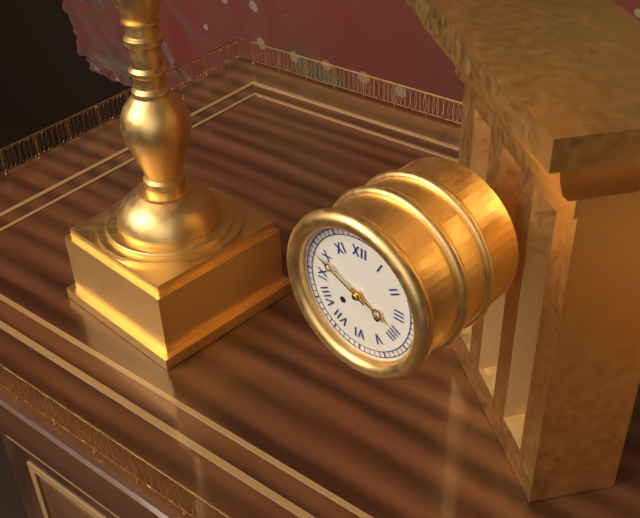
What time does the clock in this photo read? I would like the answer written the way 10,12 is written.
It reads 3,49
